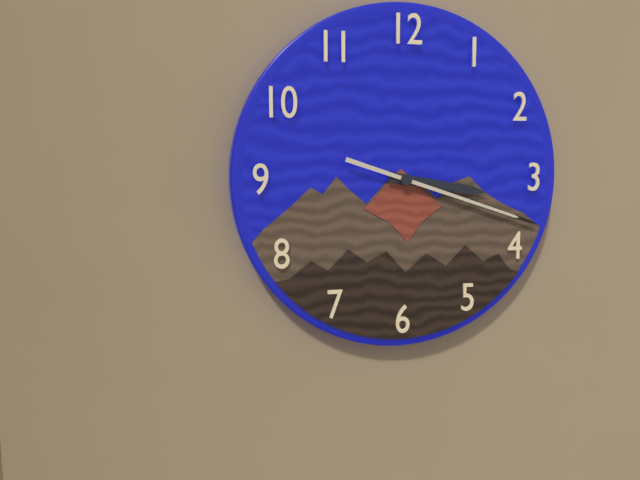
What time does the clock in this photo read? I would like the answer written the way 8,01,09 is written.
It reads 3,18,18
